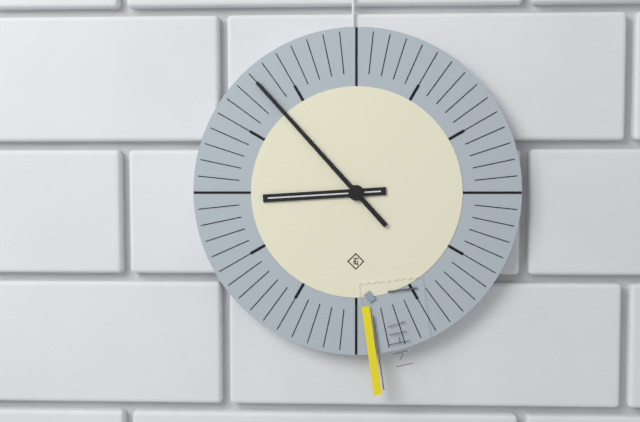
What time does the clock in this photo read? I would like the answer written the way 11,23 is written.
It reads 8,53
